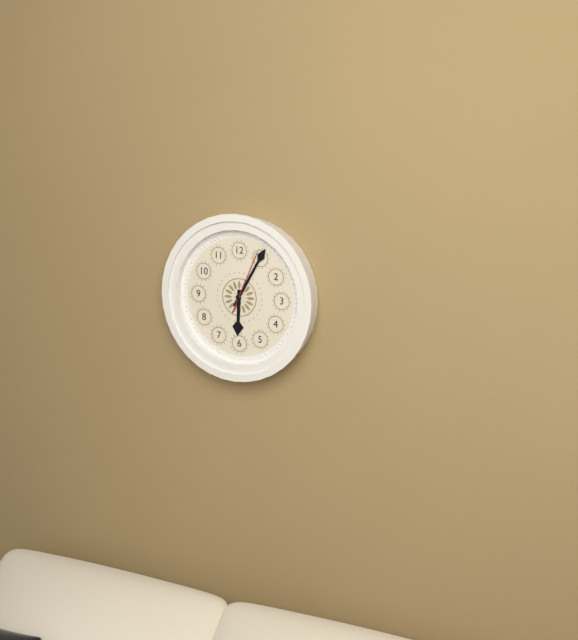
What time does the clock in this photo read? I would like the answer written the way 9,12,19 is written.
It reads 6,05,04
